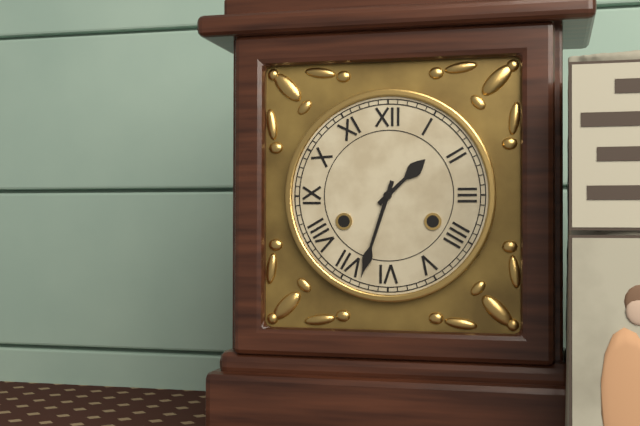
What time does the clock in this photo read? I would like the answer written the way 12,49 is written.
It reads 1,33
